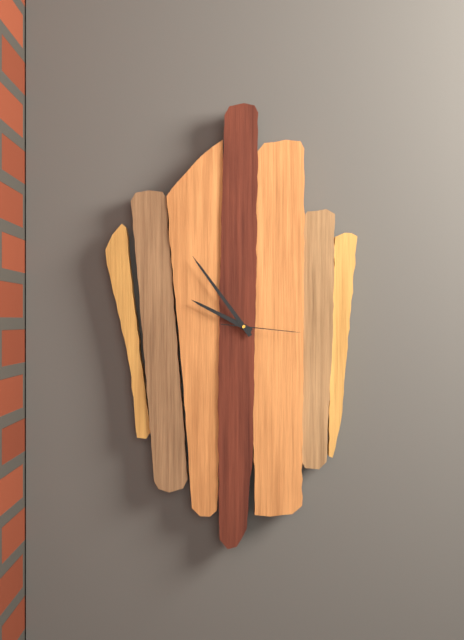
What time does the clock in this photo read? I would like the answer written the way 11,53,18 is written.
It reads 9,54,16
